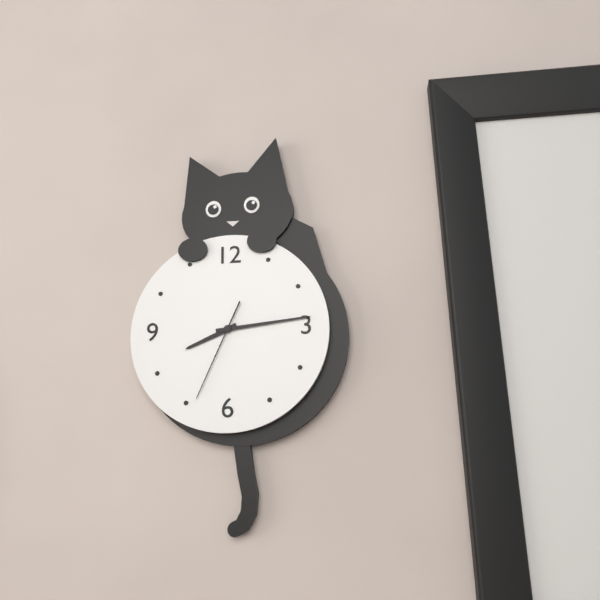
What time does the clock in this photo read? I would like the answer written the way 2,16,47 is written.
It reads 8,14,34
